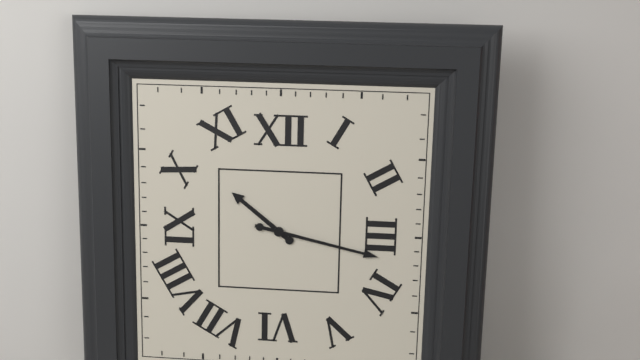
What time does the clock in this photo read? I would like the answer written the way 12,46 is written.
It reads 10,17
